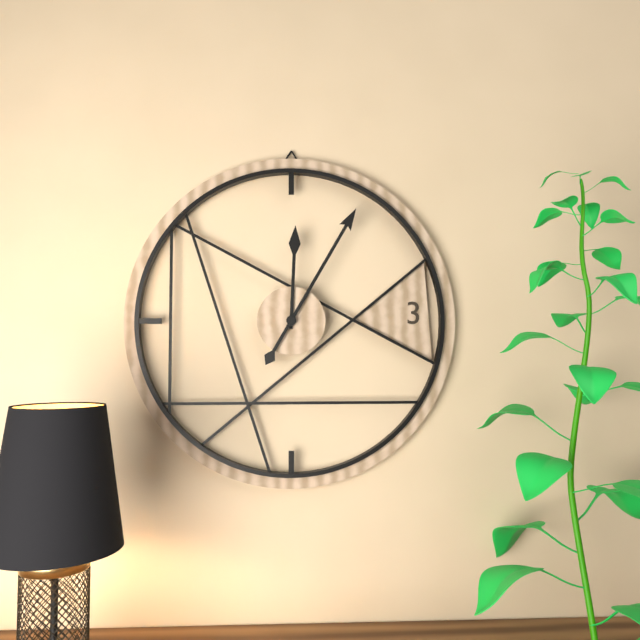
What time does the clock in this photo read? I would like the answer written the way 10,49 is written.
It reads 12,05
